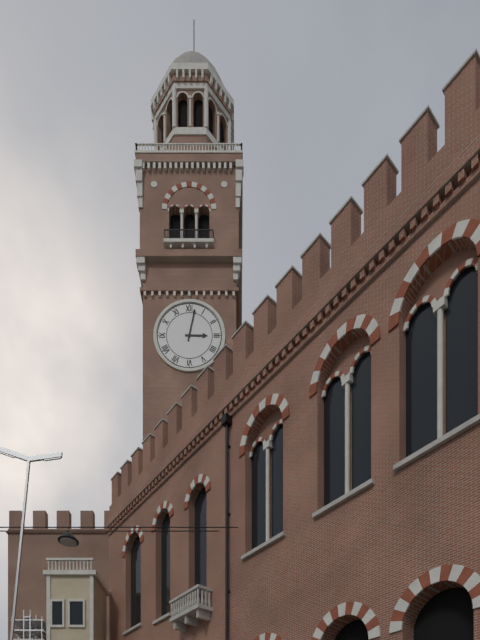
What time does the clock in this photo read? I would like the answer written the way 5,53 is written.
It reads 3,02
